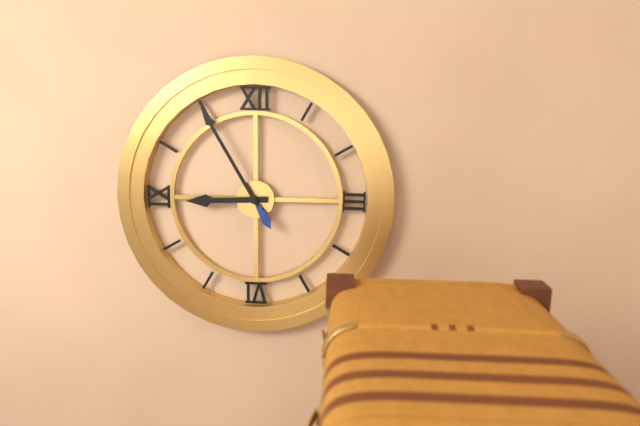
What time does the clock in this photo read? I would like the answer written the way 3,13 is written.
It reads 8,55
